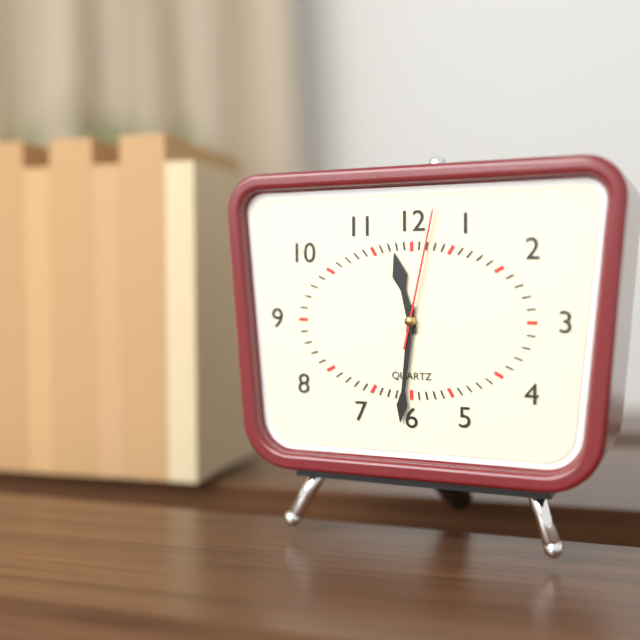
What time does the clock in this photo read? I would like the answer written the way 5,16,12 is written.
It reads 11,31,02
